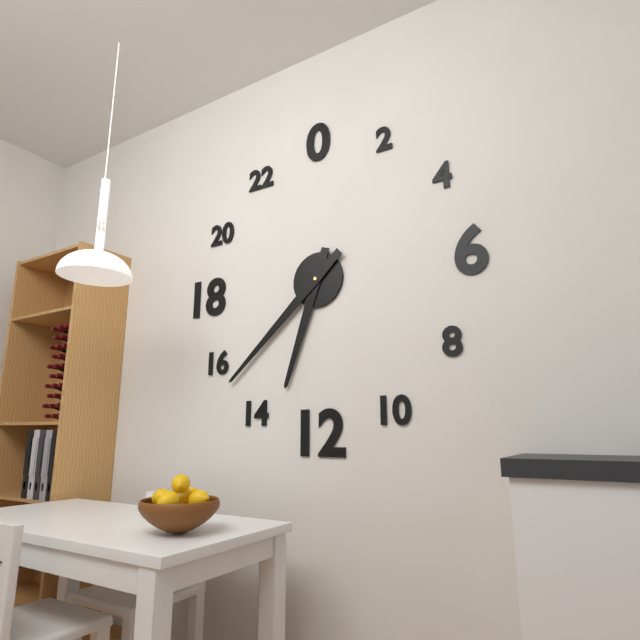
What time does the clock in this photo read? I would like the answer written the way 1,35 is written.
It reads 6,38
